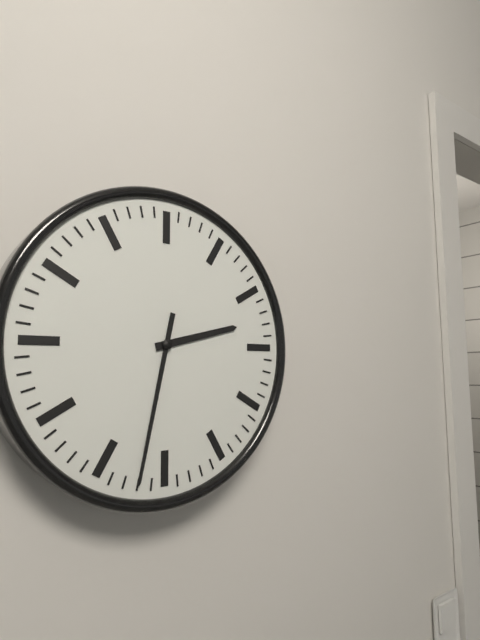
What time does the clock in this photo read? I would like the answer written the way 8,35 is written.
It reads 2,32
